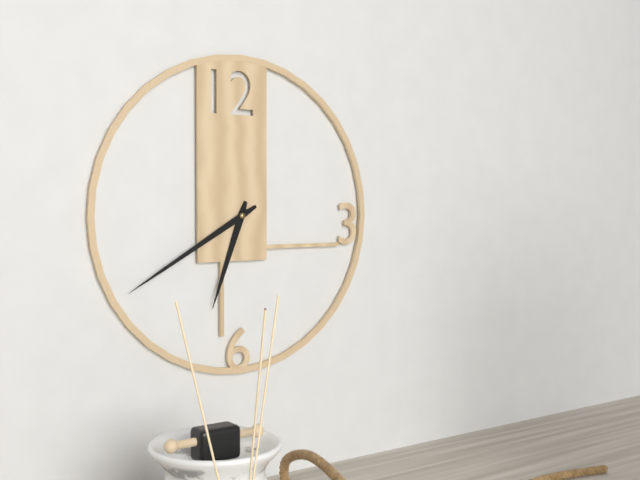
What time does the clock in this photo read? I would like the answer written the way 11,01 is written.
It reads 6,40
